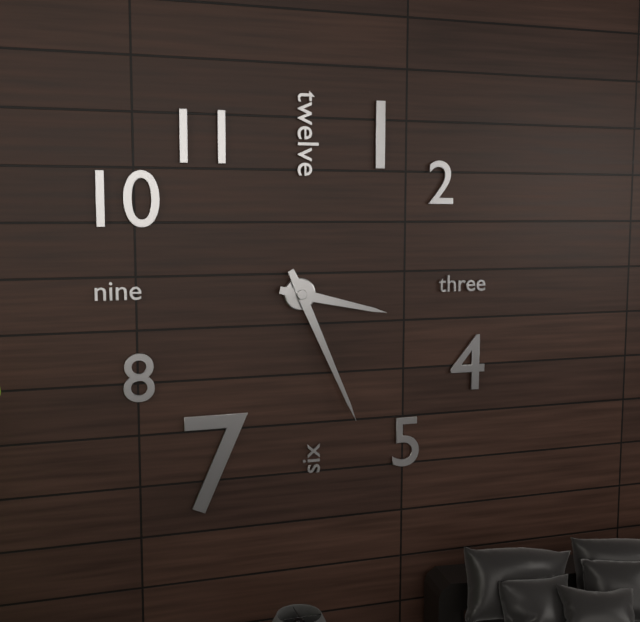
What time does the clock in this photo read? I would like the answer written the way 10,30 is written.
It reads 3,26
